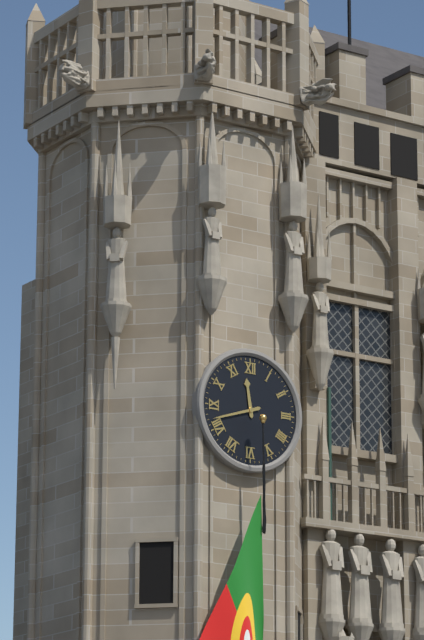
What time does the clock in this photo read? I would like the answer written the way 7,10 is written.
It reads 11,42
